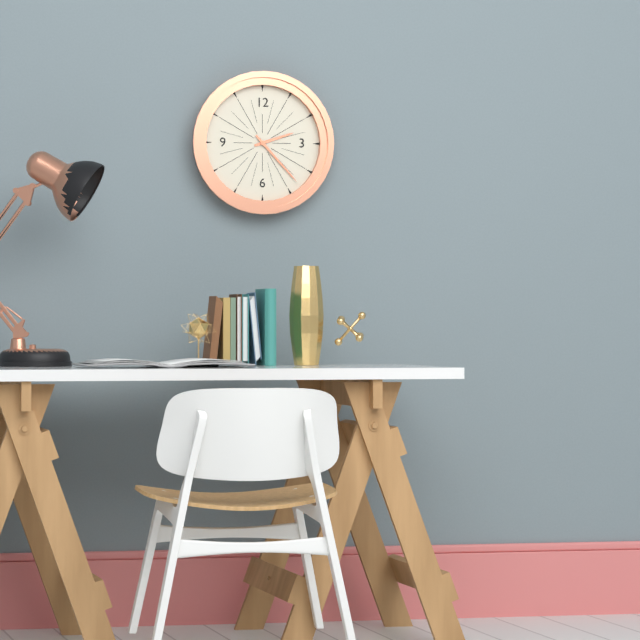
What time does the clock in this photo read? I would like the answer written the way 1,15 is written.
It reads 2,23
